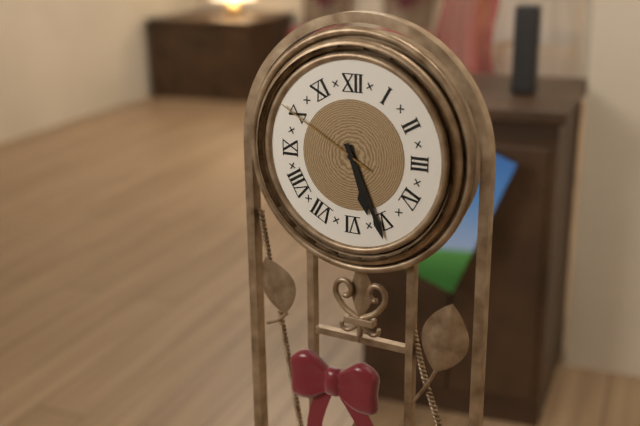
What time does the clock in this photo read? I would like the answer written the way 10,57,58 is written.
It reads 5,26,50
